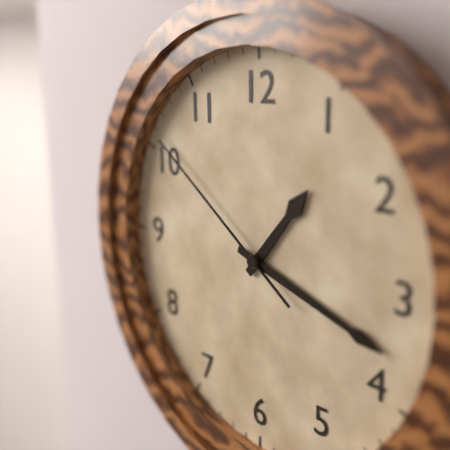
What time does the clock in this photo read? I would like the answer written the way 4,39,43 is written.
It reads 1,18,51
